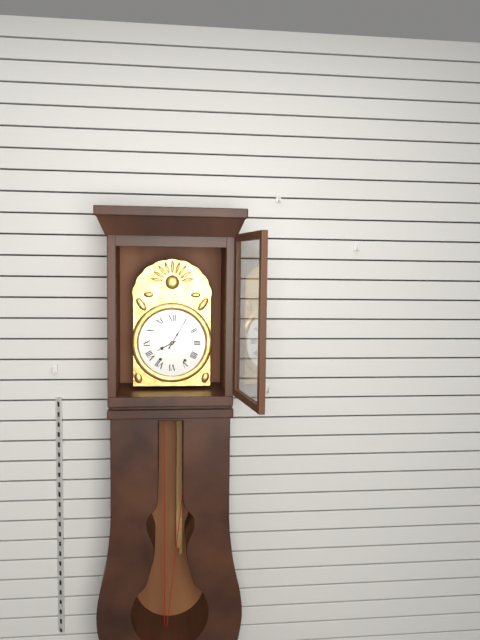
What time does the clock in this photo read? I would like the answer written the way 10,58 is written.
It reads 8,05
